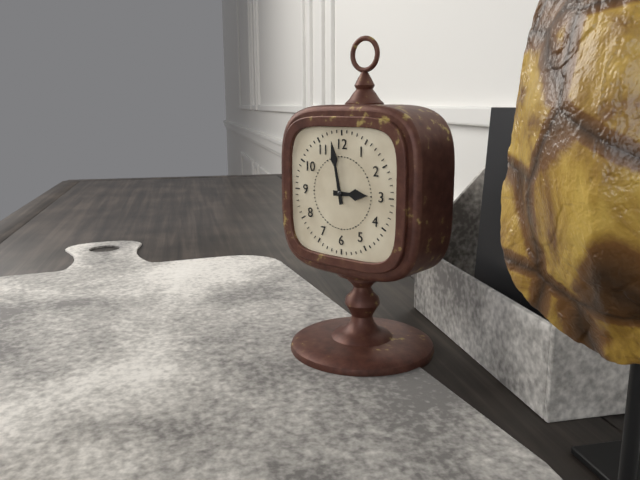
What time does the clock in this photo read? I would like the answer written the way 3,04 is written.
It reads 2,58
